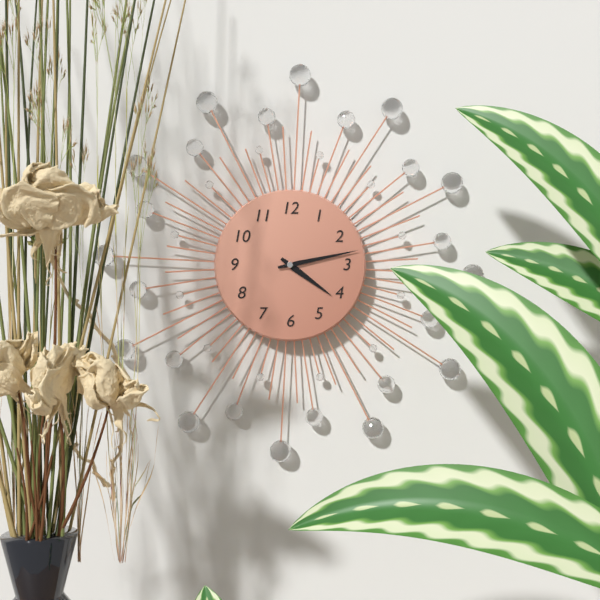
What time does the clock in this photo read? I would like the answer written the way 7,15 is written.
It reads 4,13
